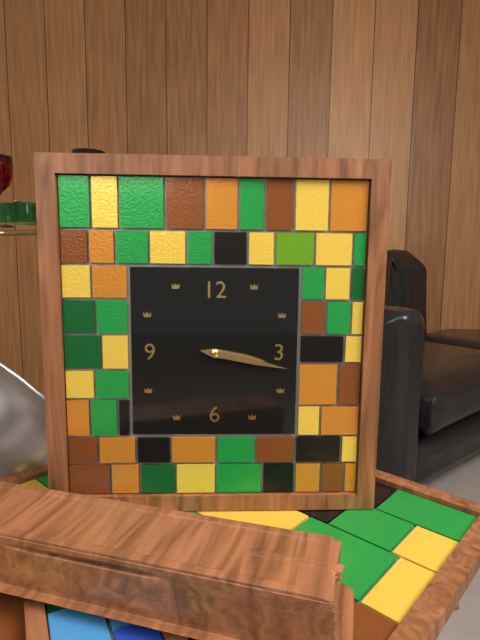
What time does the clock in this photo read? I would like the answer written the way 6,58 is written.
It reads 3,17
